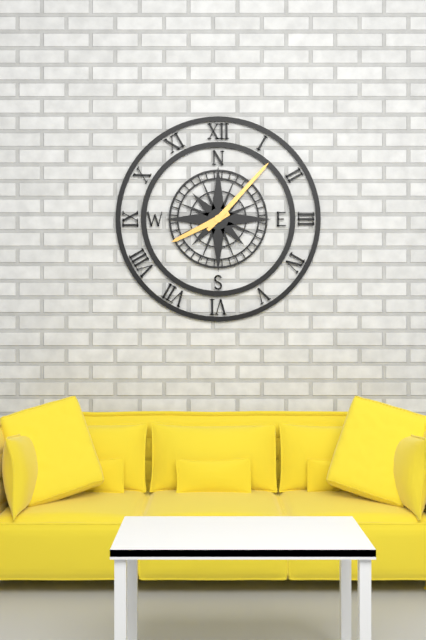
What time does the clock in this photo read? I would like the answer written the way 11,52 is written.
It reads 8,07
